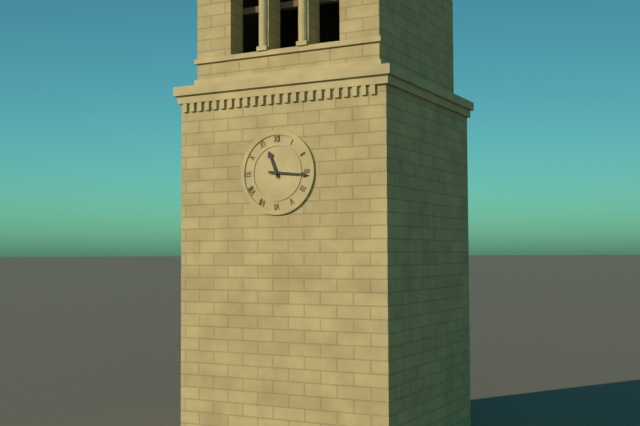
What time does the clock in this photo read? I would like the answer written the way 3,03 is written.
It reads 11,16
